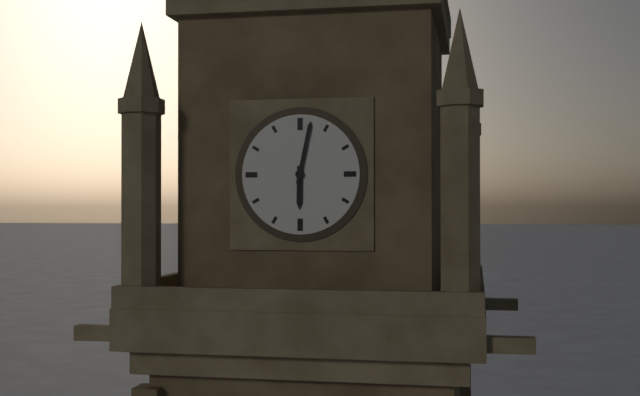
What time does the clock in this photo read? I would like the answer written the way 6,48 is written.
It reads 6,02
